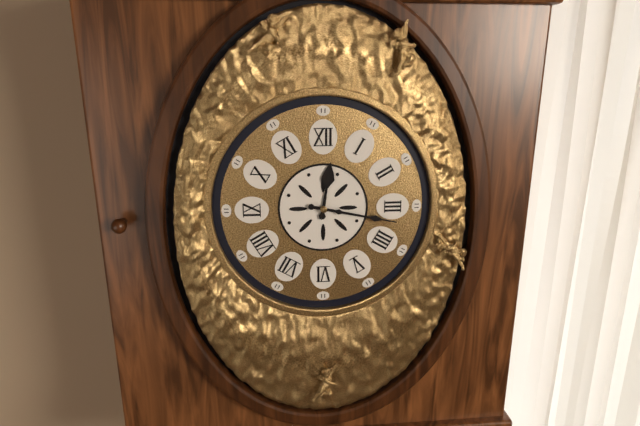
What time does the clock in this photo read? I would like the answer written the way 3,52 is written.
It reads 12,17
